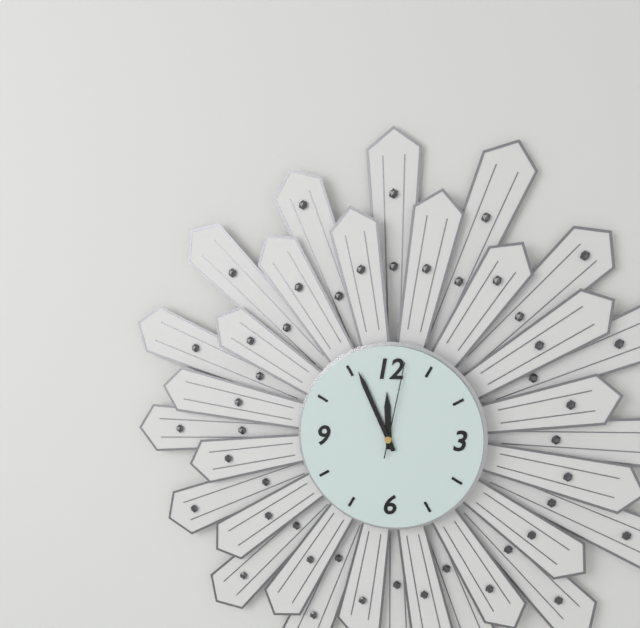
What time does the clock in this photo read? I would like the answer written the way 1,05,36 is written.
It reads 11,56,02
